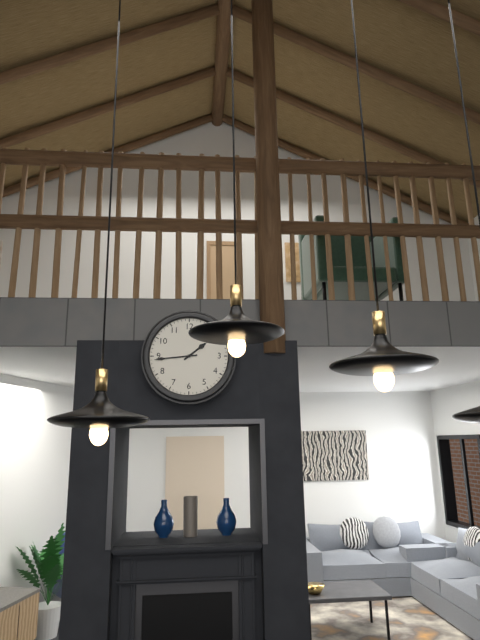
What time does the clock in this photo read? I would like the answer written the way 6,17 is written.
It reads 1,44
